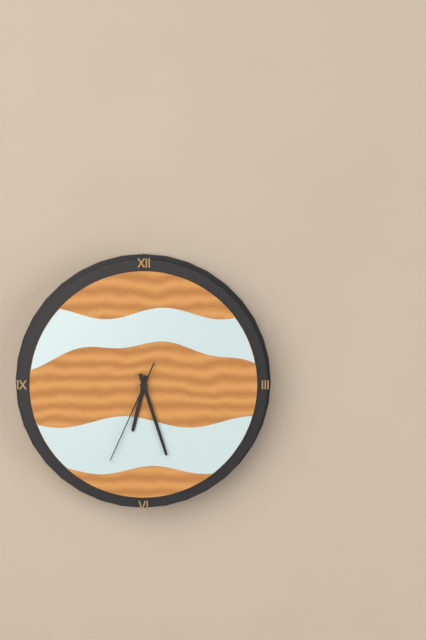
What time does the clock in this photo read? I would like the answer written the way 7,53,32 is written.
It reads 6,27,34
